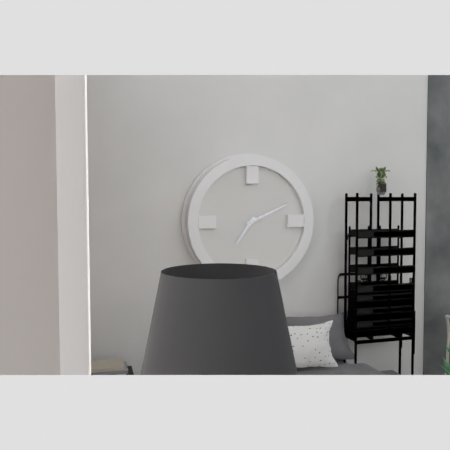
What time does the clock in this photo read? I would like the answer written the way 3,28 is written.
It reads 7,11
